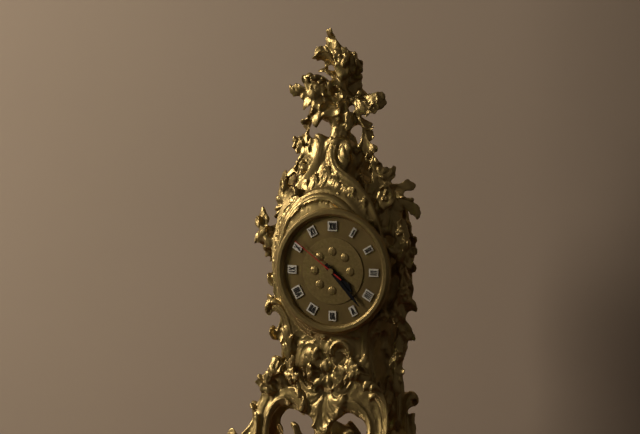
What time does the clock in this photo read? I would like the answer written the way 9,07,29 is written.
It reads 4,23,51
